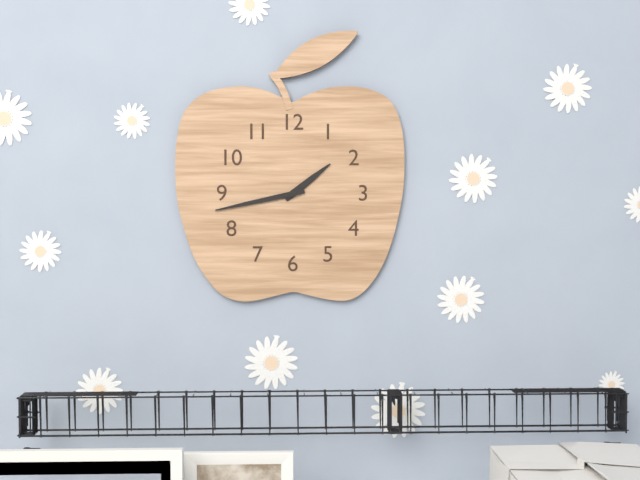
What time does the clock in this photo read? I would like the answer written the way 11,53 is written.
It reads 1,43
